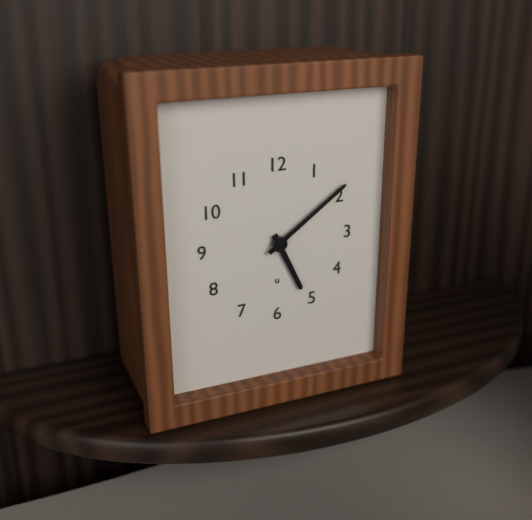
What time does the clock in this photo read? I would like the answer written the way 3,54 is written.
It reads 5,09
